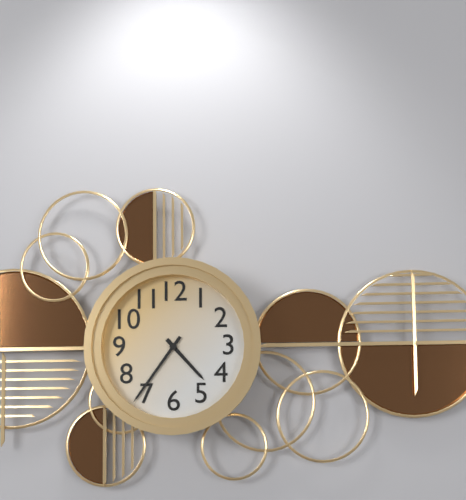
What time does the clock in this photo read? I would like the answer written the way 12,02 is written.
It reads 4,36
